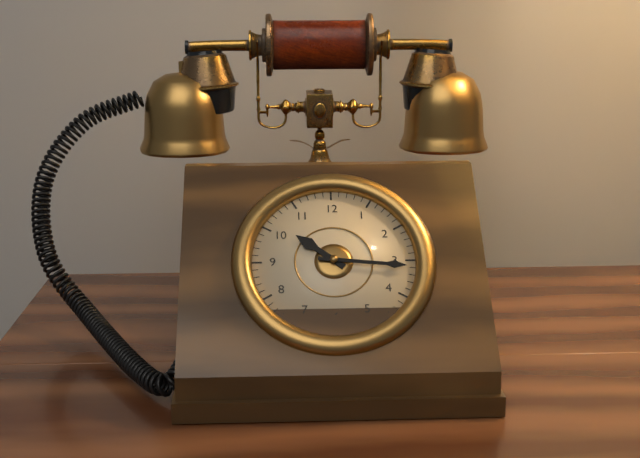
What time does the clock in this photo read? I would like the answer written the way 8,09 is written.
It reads 10,16
